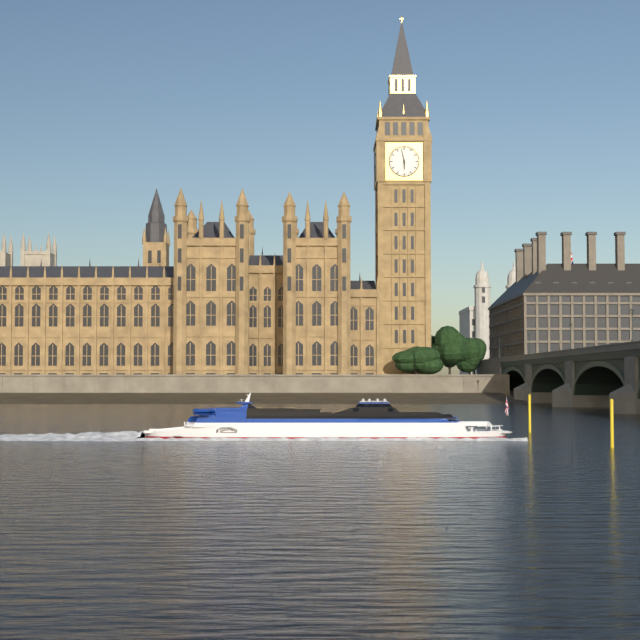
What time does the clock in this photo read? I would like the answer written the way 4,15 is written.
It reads 5,58
